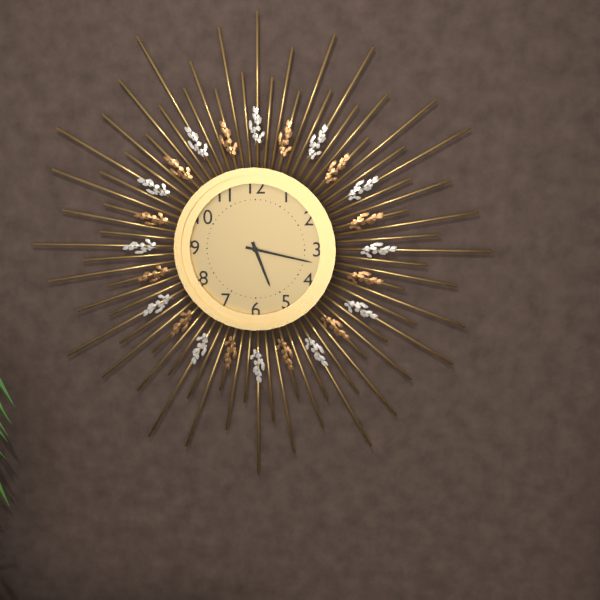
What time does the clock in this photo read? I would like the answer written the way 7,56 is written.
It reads 5,17
